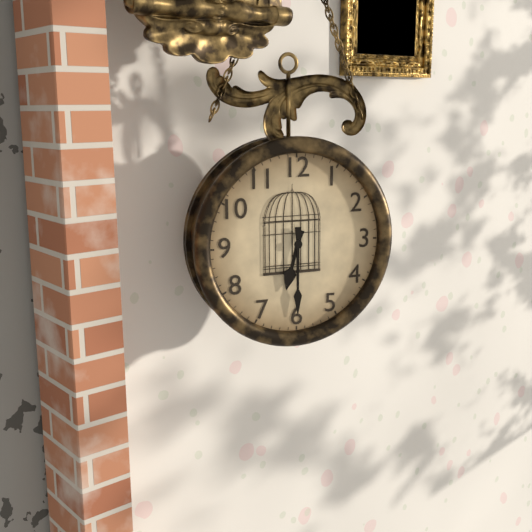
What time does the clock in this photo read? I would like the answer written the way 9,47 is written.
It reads 6,30
